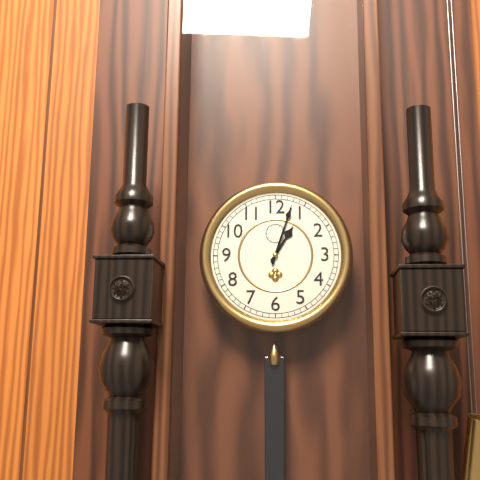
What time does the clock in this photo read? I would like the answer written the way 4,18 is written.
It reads 1,03
